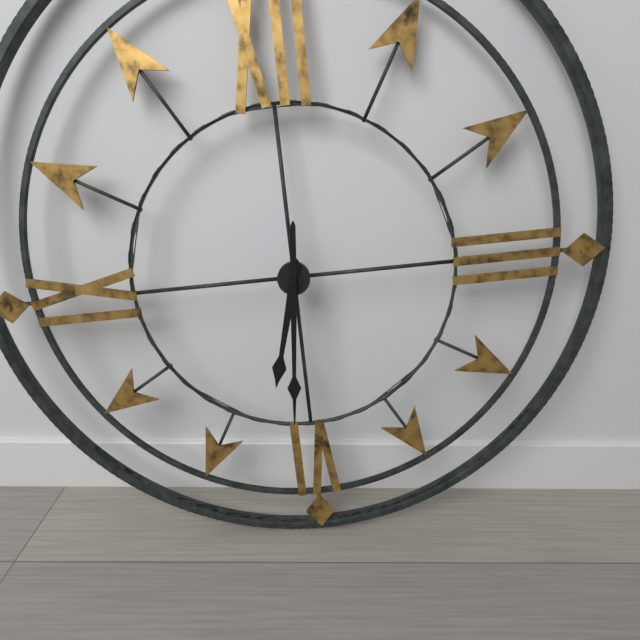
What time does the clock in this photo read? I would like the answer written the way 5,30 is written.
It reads 6,31
